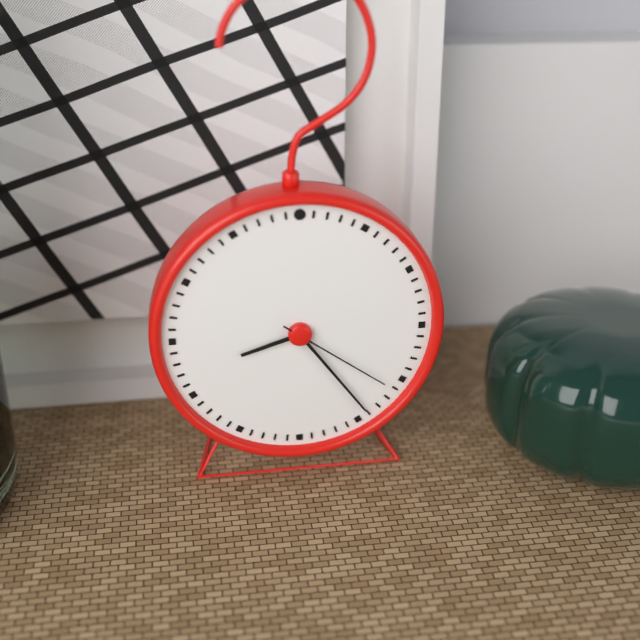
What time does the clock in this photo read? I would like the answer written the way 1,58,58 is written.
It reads 8,24,21
